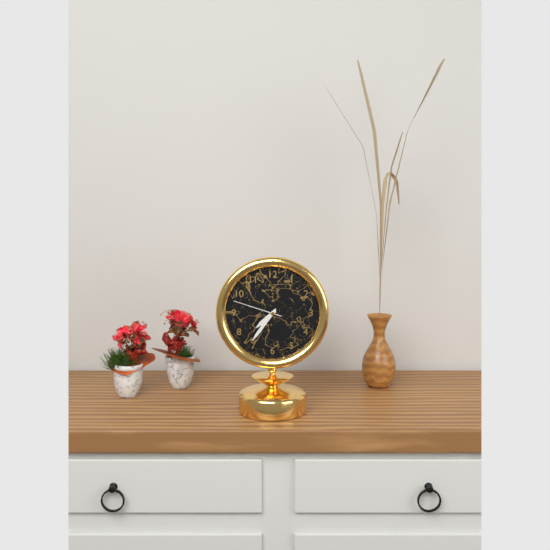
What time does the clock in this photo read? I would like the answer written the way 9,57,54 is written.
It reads 7,36,48
